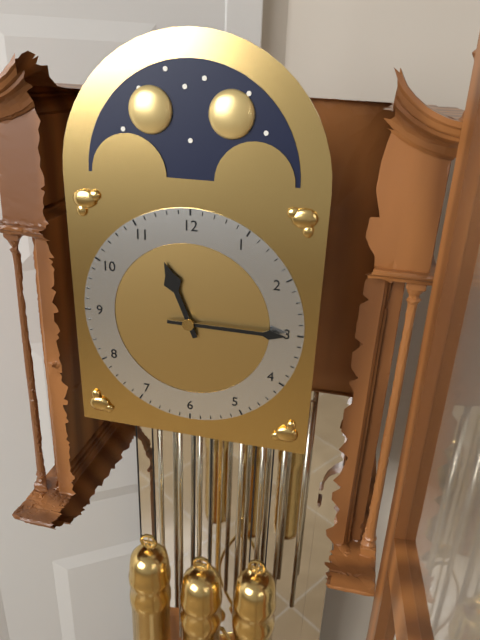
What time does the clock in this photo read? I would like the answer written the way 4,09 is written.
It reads 11,15
